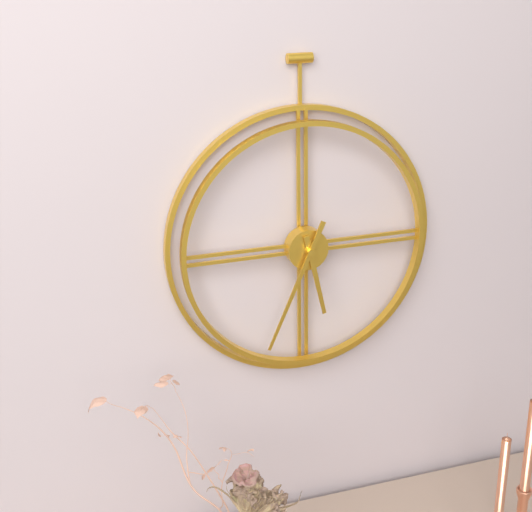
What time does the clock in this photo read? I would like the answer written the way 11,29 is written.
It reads 5,34
